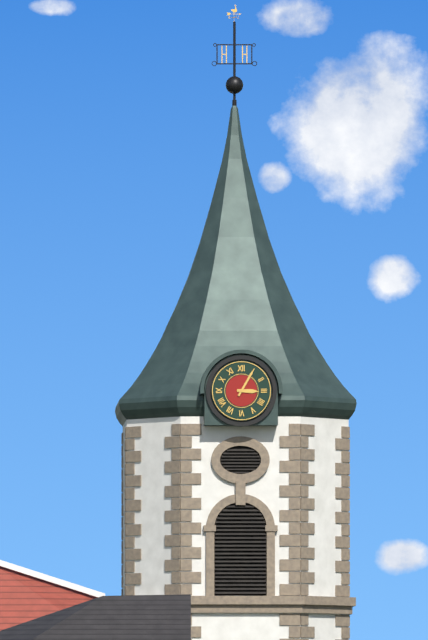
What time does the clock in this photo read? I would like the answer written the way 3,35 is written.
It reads 3,05
